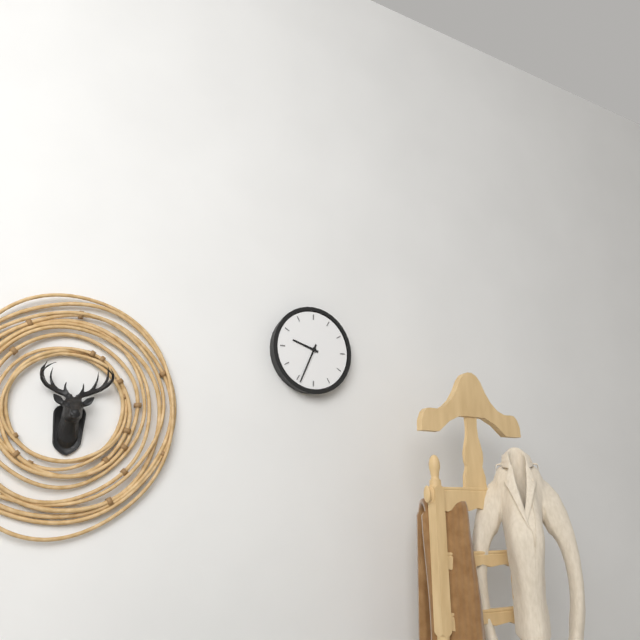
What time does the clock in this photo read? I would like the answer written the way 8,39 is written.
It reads 9,34
